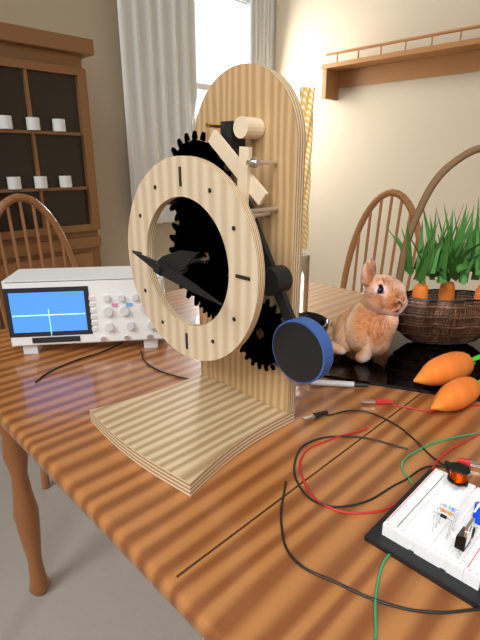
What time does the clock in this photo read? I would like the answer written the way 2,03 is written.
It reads 2,17
